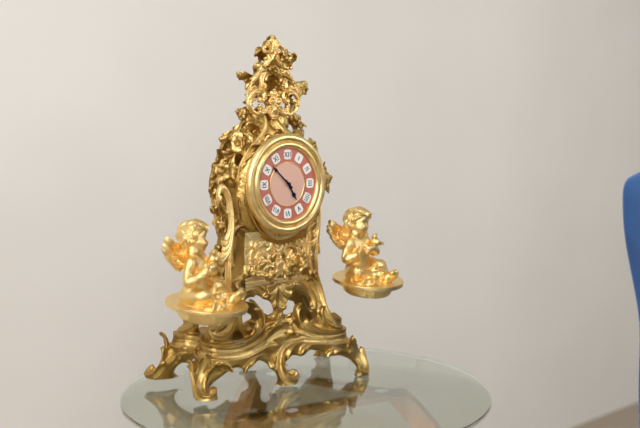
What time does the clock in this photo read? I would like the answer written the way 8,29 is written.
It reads 4,52
